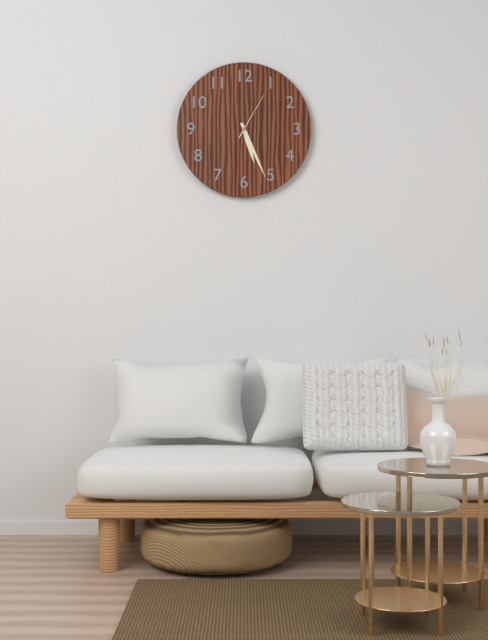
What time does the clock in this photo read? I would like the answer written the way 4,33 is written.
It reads 5,26
